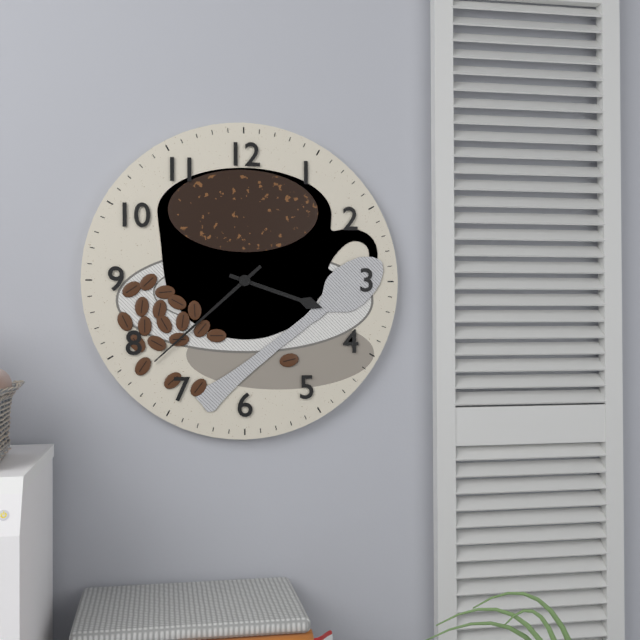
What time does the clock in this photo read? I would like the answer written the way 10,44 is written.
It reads 3,38
